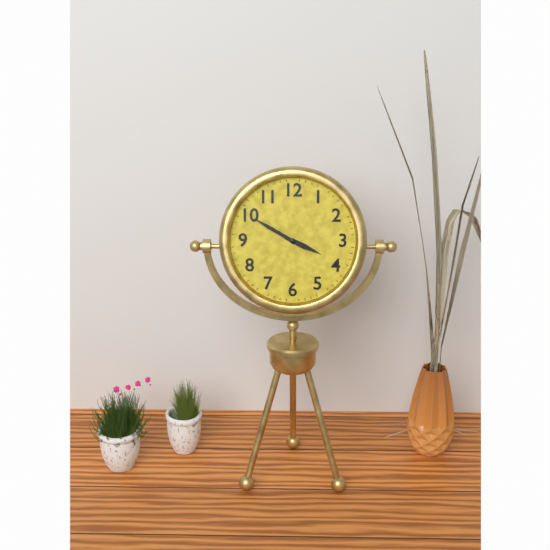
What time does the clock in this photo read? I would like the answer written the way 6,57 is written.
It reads 3,50
